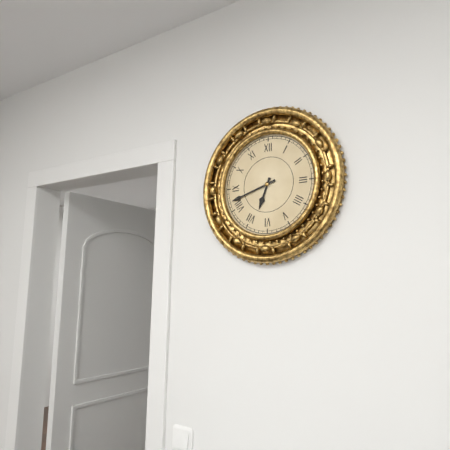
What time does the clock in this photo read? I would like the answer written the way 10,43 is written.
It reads 6,42
